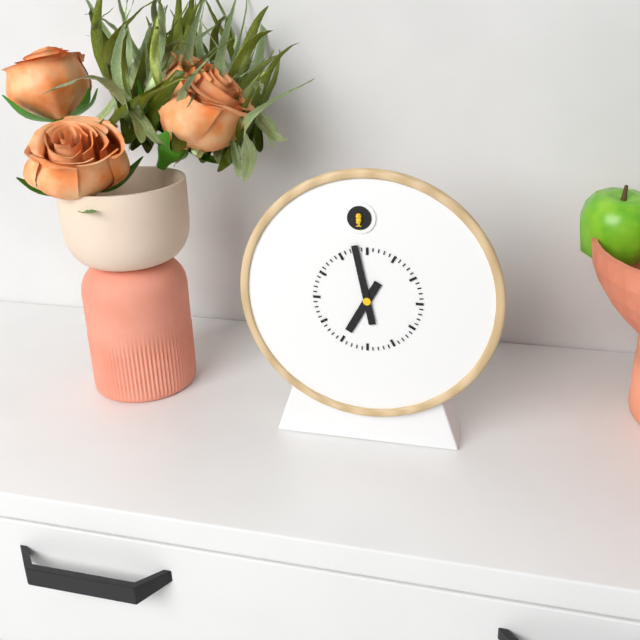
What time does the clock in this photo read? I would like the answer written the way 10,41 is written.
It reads 6,58
